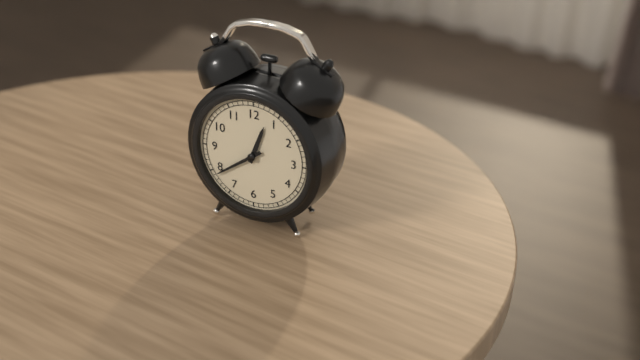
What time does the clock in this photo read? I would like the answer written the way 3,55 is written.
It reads 12,39
